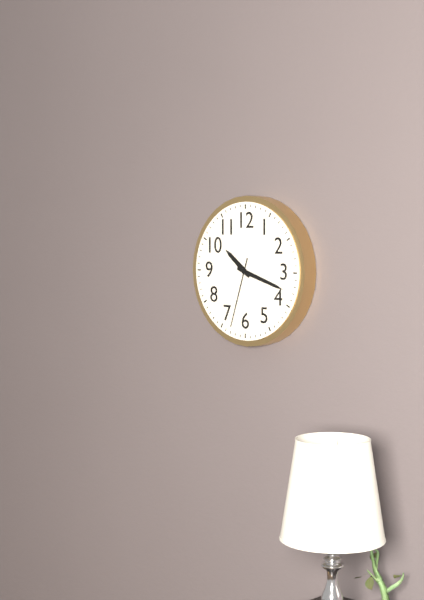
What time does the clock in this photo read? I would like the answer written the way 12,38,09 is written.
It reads 10,18,33
